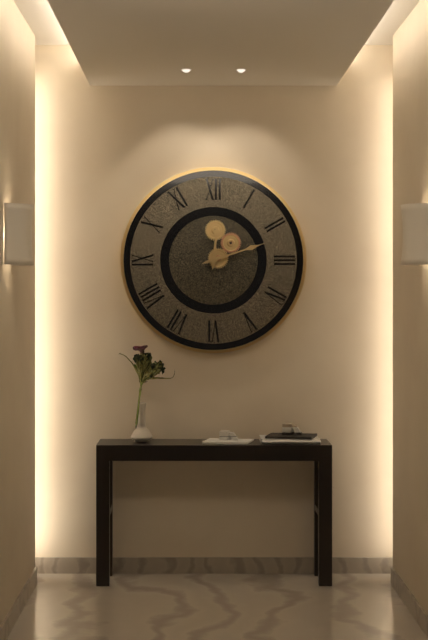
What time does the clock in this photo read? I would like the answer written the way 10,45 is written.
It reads 12,12
